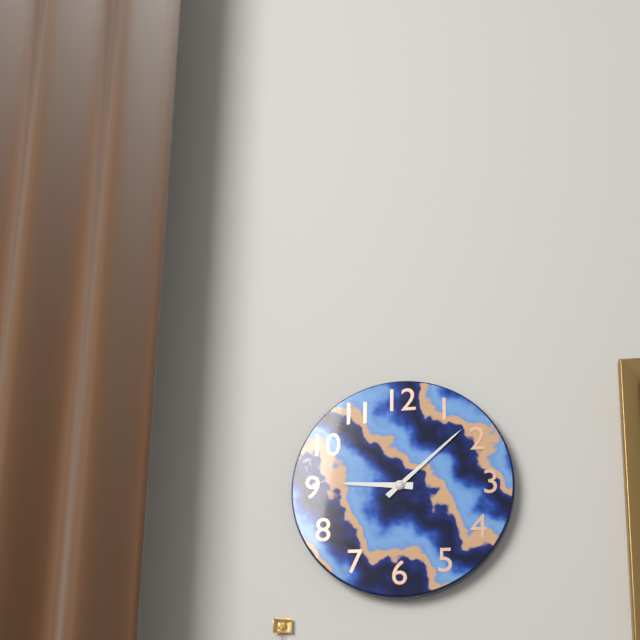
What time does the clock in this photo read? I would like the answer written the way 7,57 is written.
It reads 9,08
